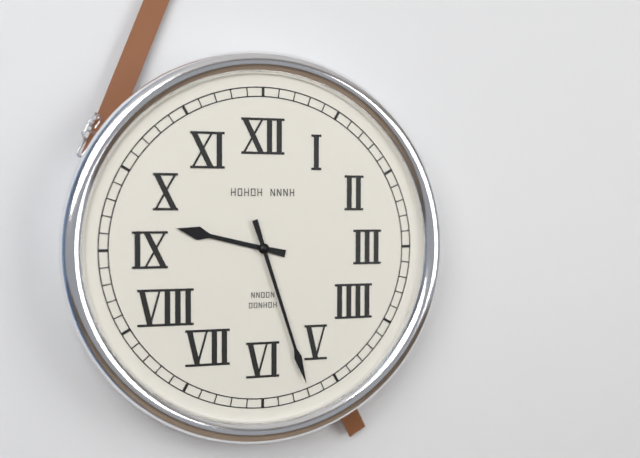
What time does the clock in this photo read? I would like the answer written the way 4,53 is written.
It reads 9,27
